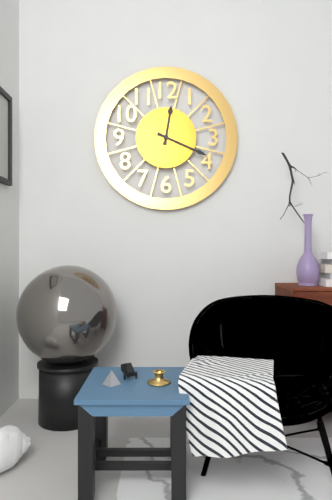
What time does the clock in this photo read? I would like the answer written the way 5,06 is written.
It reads 12,19
